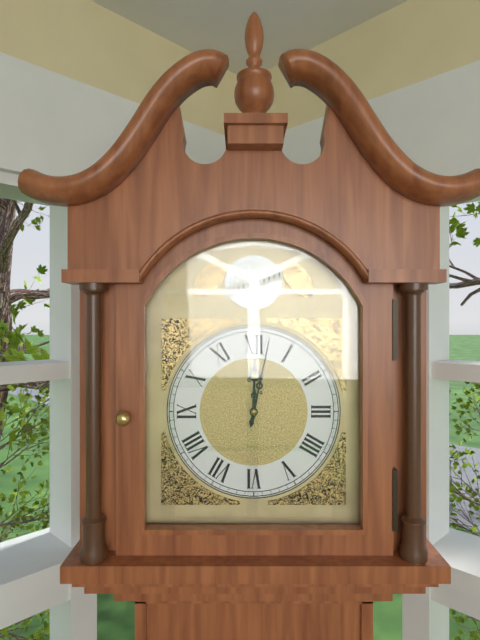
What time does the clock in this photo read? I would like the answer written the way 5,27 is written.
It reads 12,02
